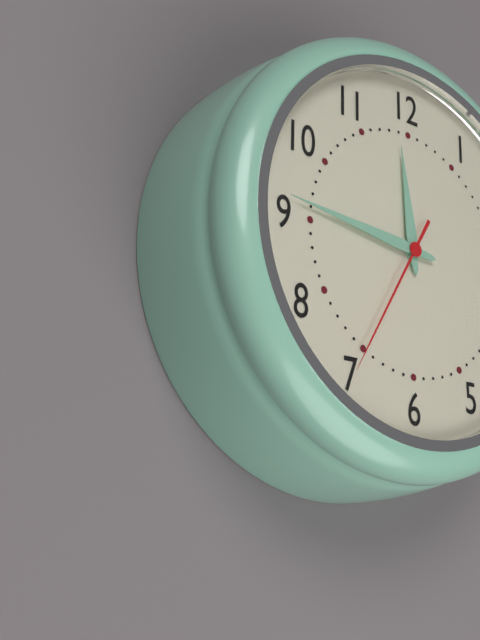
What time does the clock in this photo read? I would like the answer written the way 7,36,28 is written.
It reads 11,46,35
